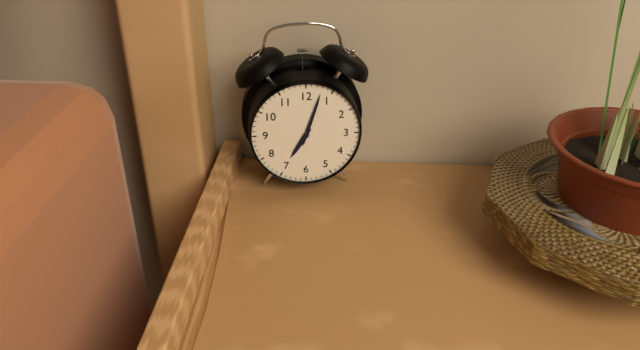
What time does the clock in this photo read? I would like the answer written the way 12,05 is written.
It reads 7,03
